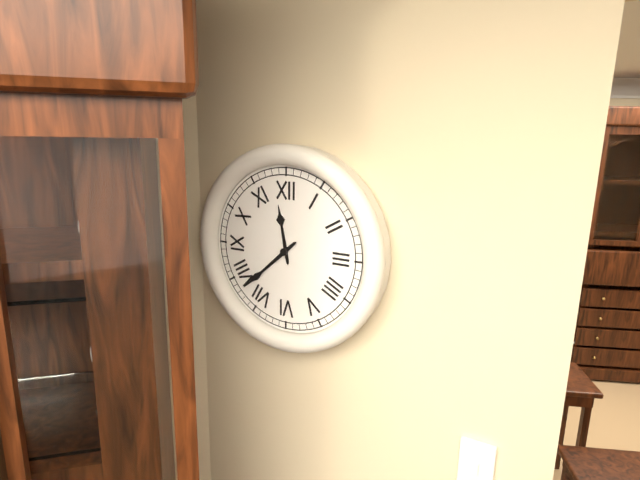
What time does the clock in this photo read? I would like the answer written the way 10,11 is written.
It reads 11,38
